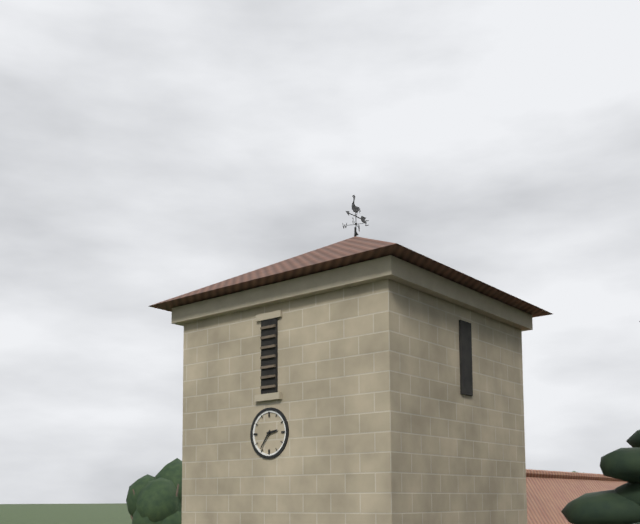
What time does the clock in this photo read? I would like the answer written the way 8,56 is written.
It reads 2,36
